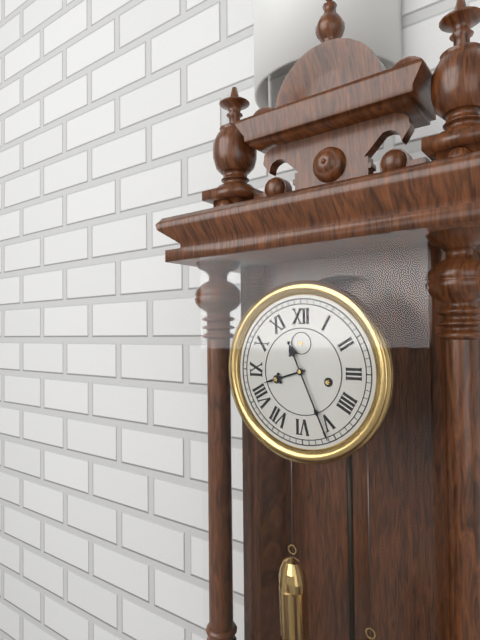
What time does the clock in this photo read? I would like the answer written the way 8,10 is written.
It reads 8,26
